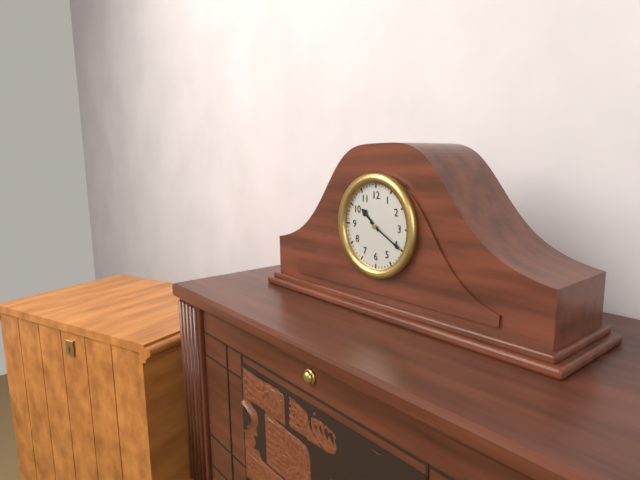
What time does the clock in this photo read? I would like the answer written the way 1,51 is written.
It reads 10,20
